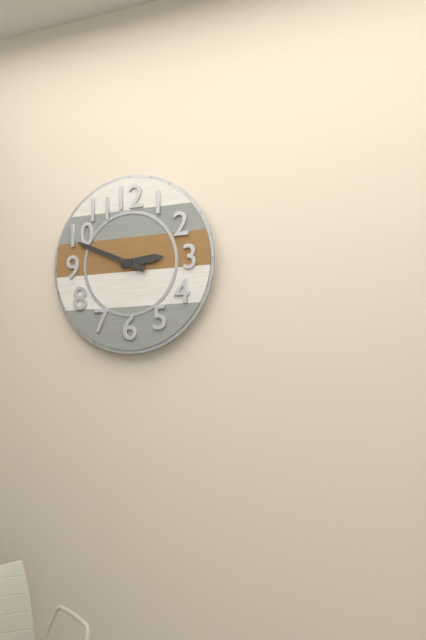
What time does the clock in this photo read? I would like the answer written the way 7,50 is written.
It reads 2,49
